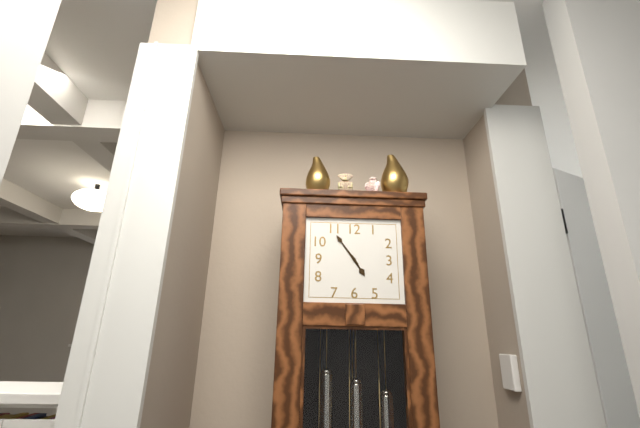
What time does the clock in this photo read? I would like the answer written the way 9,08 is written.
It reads 4,54
